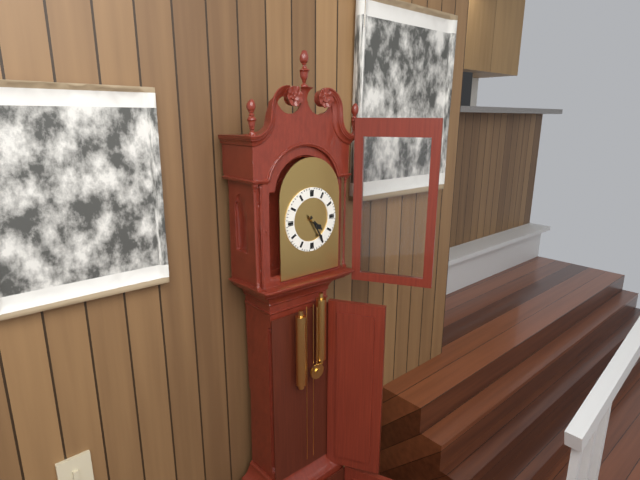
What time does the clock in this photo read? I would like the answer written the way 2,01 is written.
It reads 4,25
